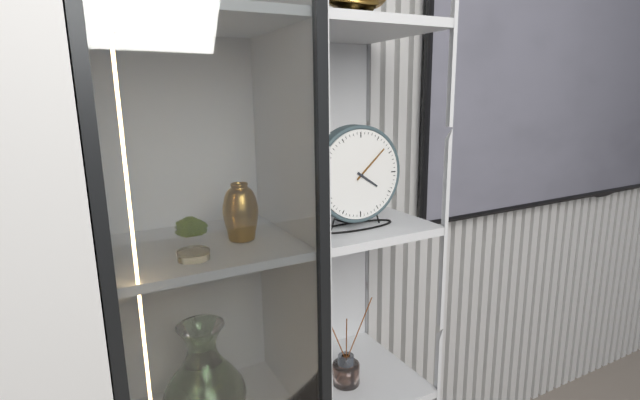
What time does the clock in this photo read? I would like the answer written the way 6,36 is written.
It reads 4,08
